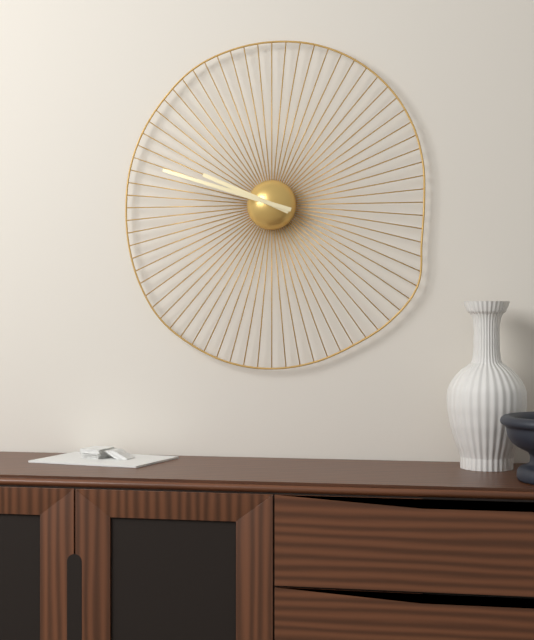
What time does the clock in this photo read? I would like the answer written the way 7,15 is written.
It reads 9,48
